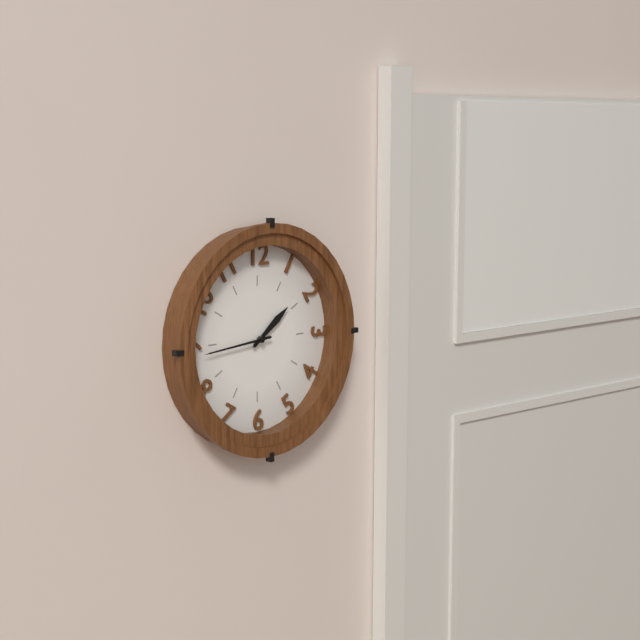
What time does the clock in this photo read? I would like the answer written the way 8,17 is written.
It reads 1,44
